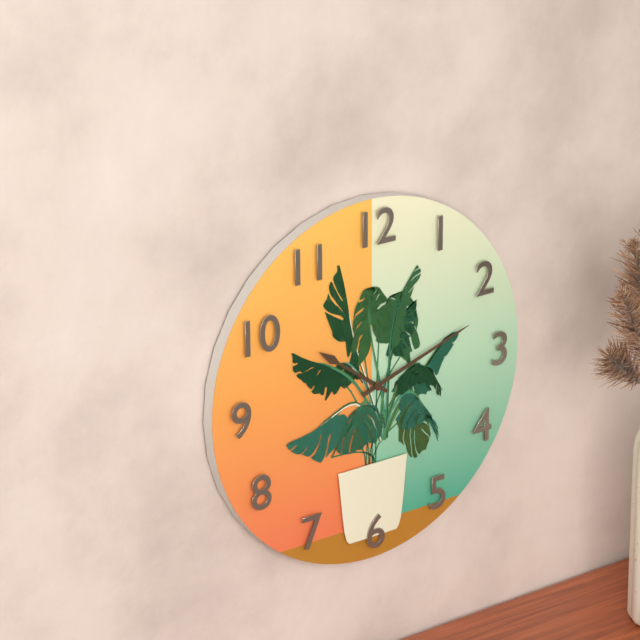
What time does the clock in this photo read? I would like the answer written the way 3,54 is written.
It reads 10,12
